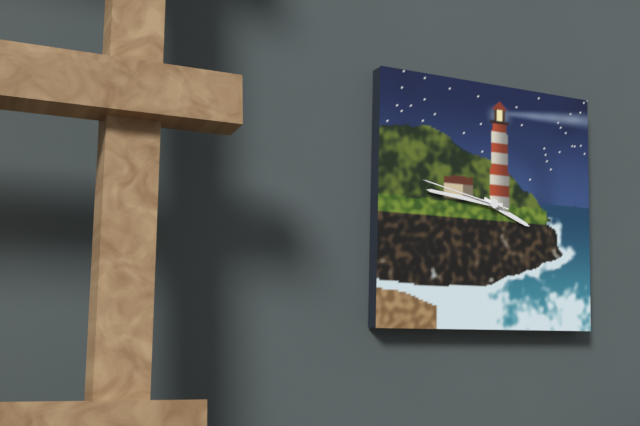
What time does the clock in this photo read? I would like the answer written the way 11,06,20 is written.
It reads 3,46,47
